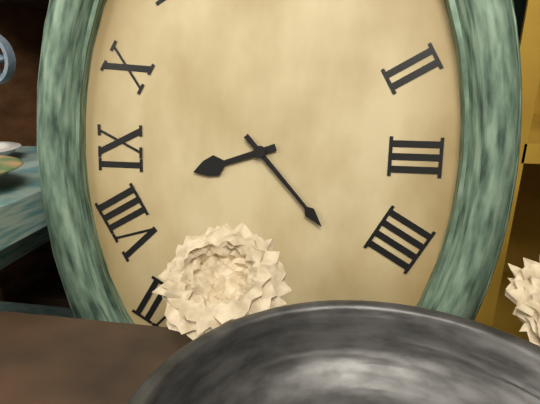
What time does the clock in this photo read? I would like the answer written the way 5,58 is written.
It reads 8,23
